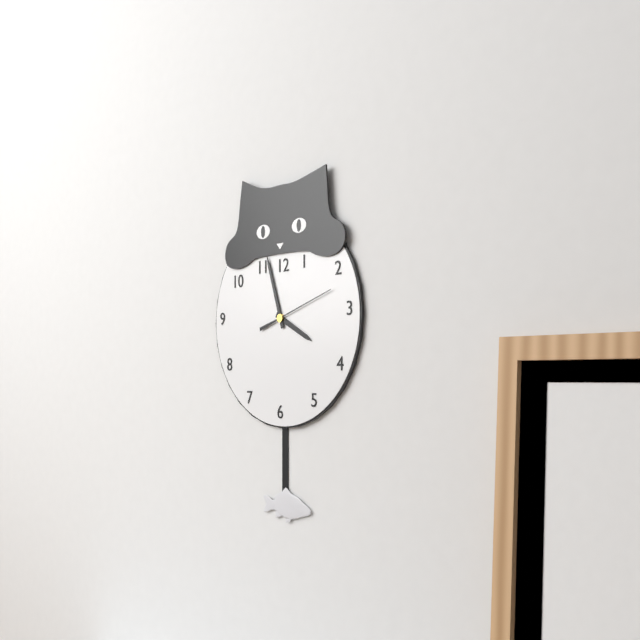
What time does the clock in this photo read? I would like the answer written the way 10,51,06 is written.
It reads 3,57,12
